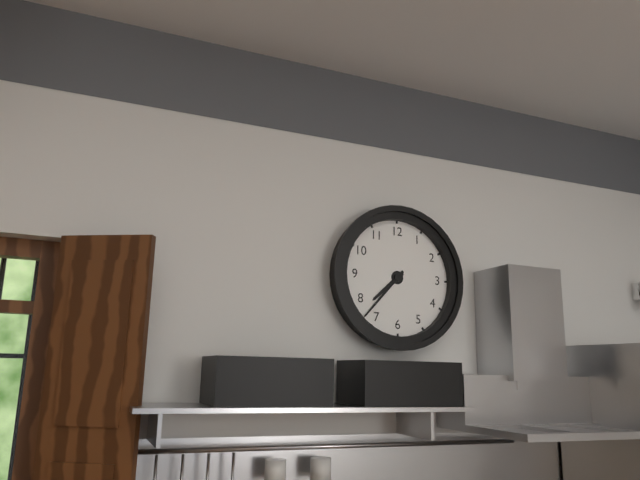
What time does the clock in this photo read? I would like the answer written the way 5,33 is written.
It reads 7,37
